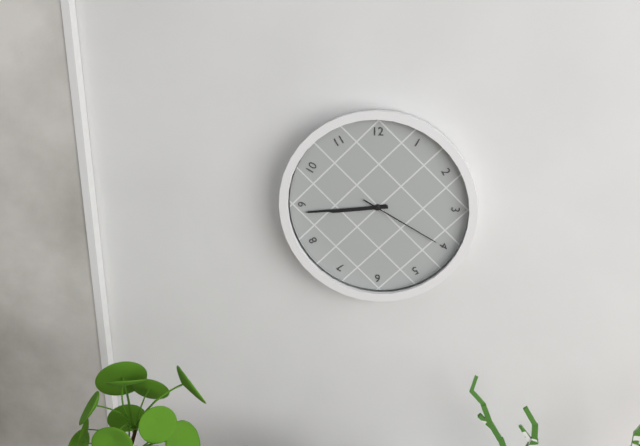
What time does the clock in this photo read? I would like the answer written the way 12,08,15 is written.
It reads 8,44,20
